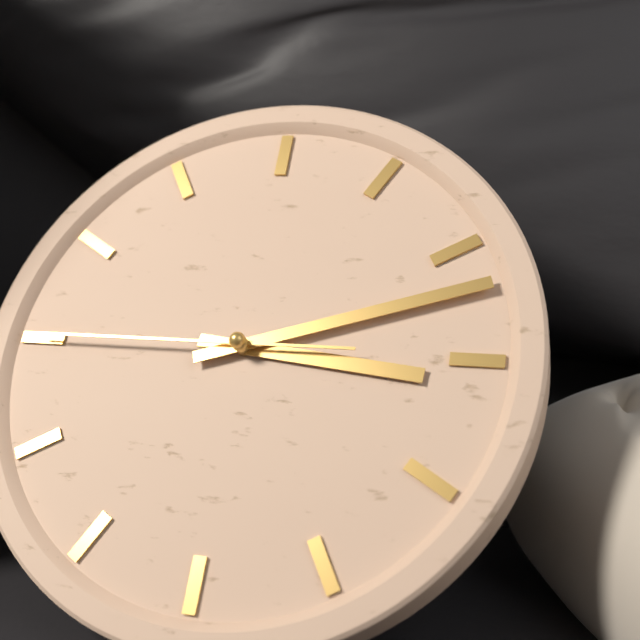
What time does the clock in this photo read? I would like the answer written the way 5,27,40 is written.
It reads 3,12,45
